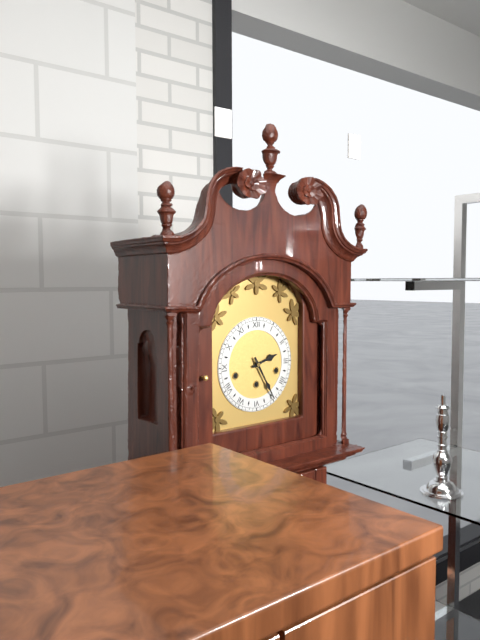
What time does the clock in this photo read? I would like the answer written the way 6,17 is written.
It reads 2,25
